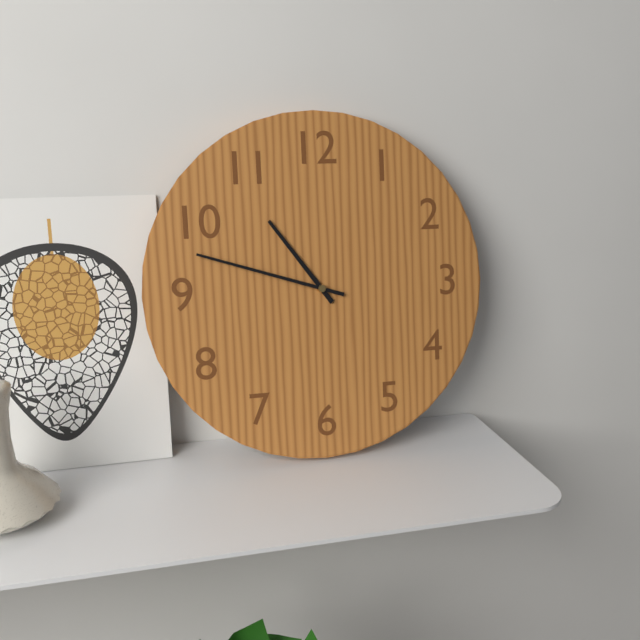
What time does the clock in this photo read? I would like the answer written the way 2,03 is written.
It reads 10,48
